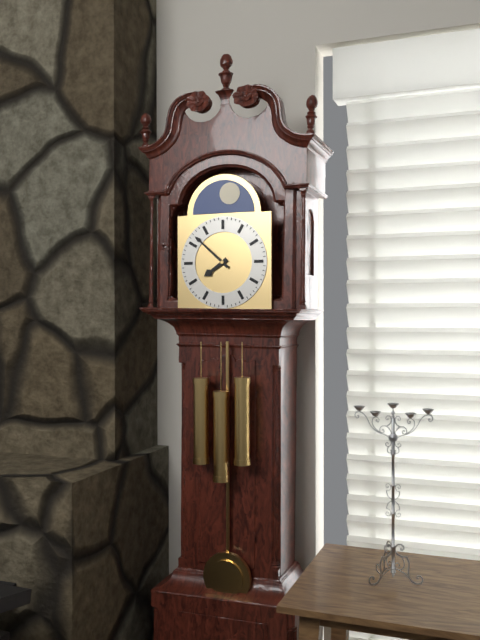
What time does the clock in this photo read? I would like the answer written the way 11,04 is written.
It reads 7,52
